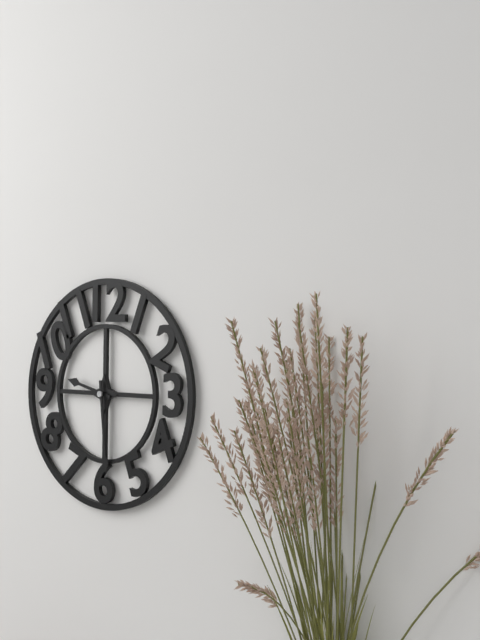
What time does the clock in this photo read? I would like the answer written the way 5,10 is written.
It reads 9,29
